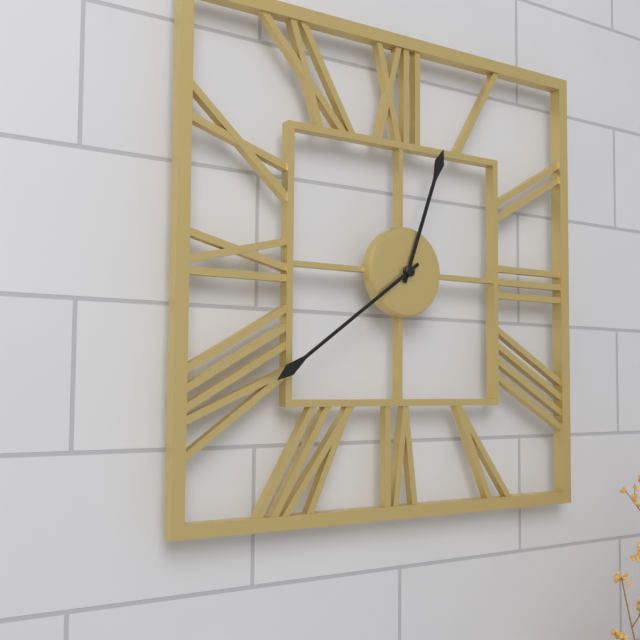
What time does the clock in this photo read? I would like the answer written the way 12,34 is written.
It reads 12,39
